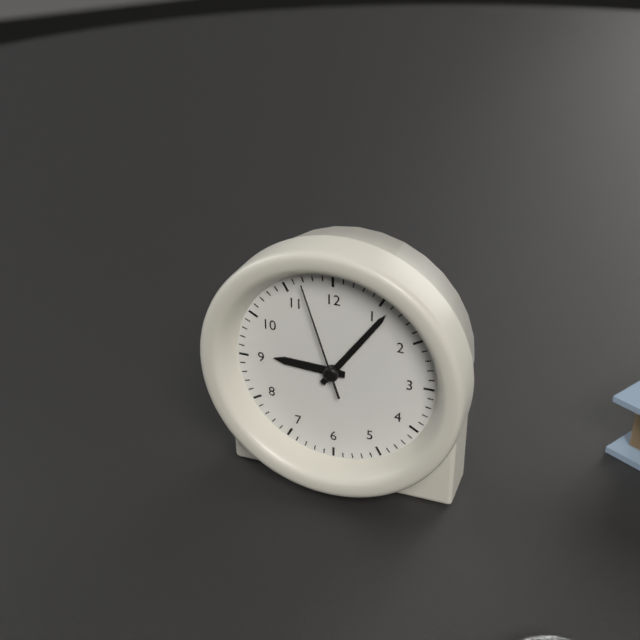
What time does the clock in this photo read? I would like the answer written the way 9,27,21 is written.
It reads 9,06,57
